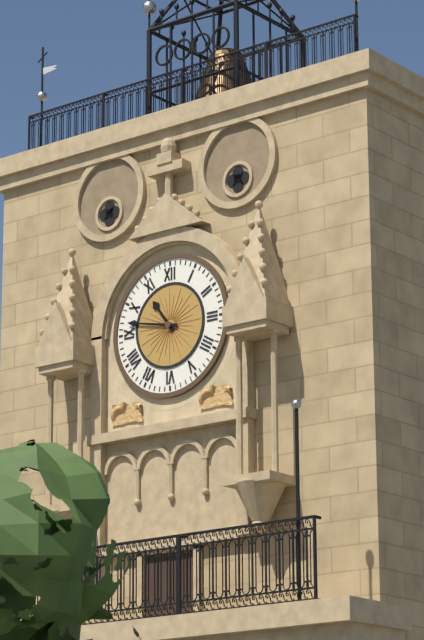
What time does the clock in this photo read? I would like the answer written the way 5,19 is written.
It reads 10,47
